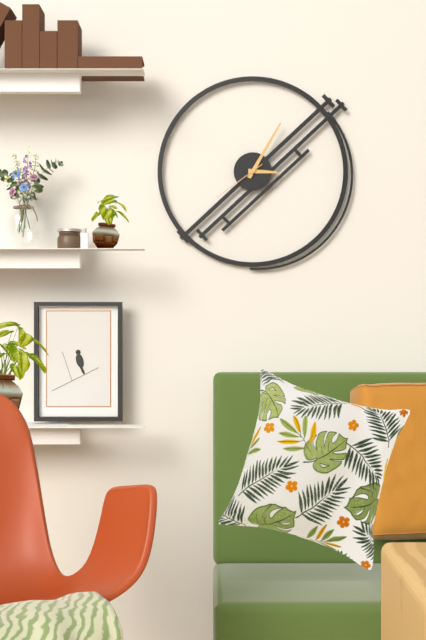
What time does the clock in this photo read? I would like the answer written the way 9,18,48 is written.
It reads 3,05,39
